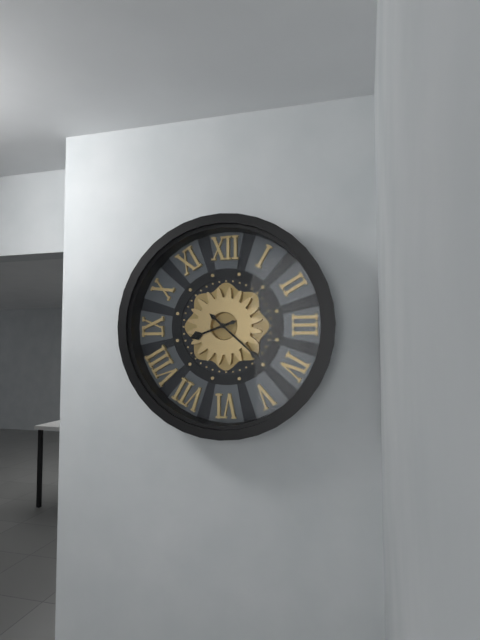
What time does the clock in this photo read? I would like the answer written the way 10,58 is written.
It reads 8,22
